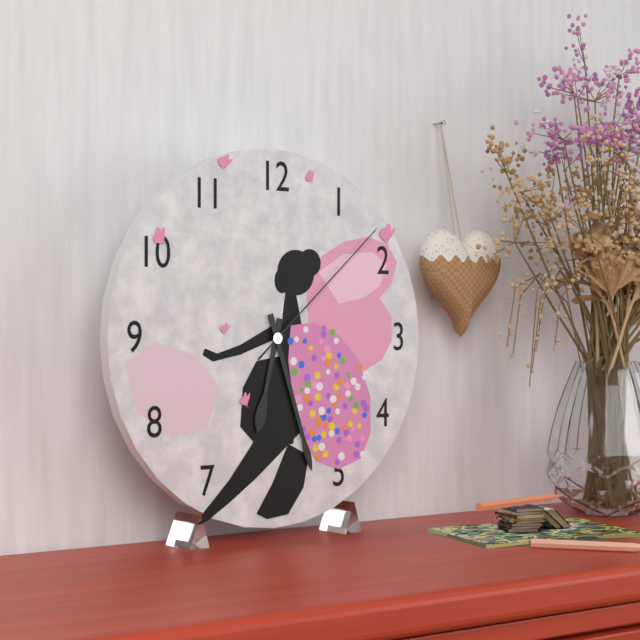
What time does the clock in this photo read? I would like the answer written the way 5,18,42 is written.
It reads 6,27,08
